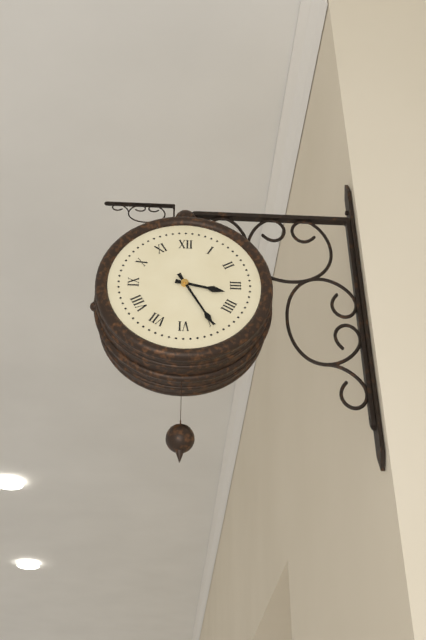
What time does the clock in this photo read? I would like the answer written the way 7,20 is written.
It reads 3,25
